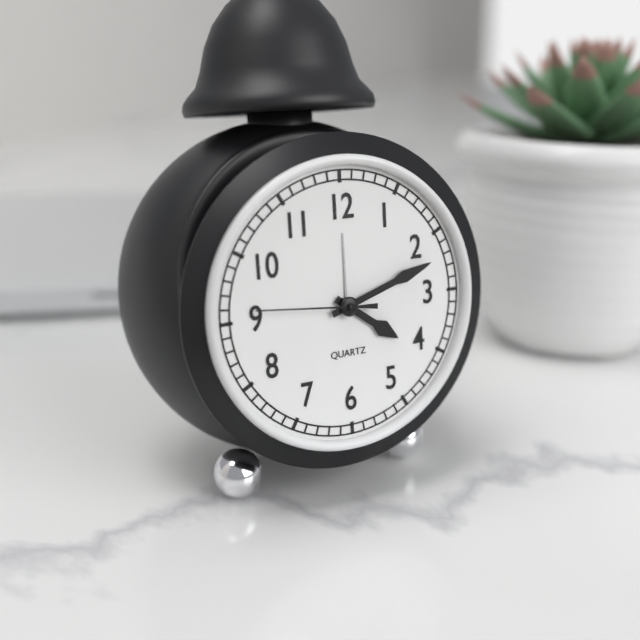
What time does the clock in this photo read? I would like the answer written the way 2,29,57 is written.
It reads 4,12,46
